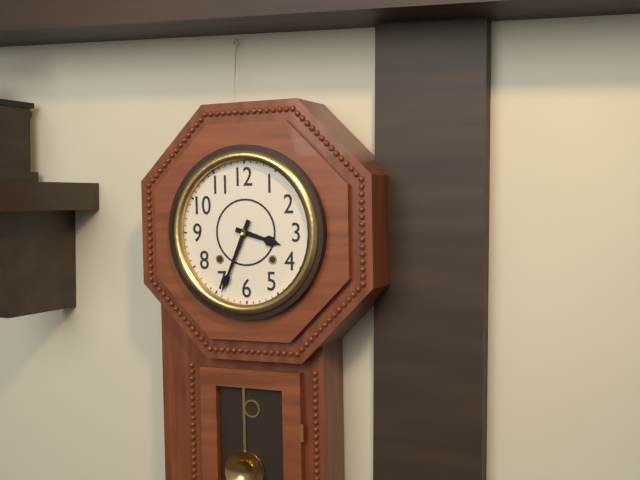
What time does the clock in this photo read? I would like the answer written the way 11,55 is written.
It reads 3,34
